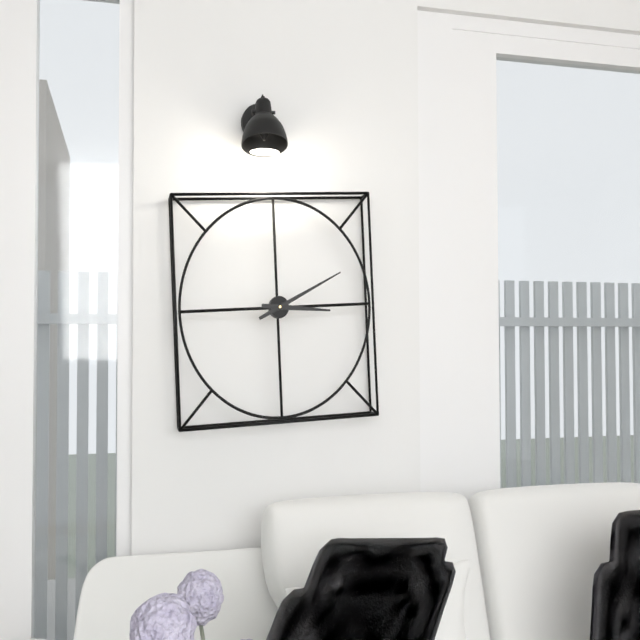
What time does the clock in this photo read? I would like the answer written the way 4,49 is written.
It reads 3,11
